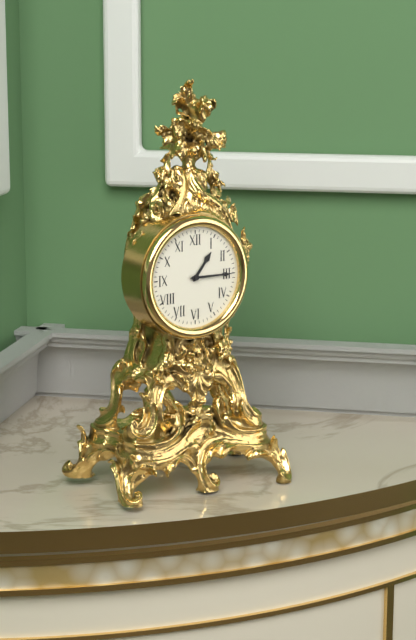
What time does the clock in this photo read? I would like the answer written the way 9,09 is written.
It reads 1,15
